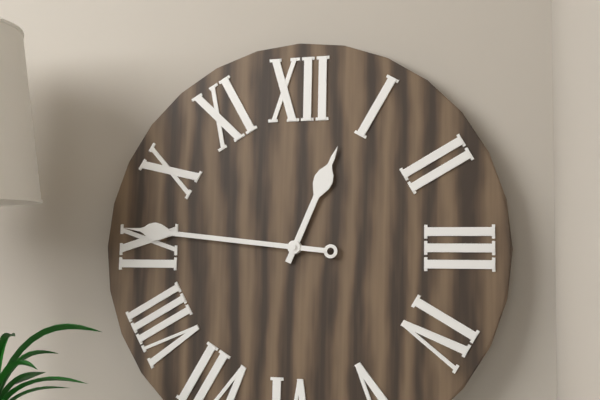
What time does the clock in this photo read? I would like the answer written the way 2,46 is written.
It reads 12,46
